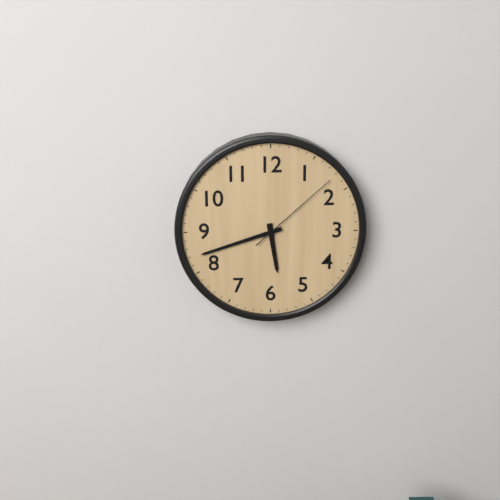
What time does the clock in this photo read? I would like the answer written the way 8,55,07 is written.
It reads 5,42,08
